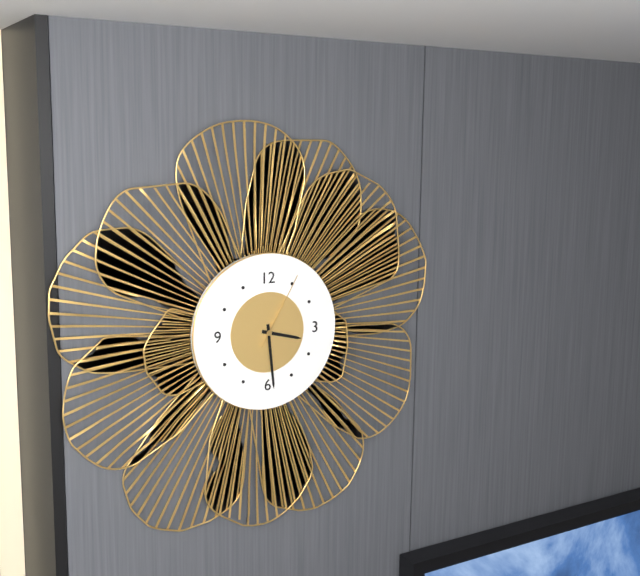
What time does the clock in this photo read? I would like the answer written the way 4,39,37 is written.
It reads 3,29,05
